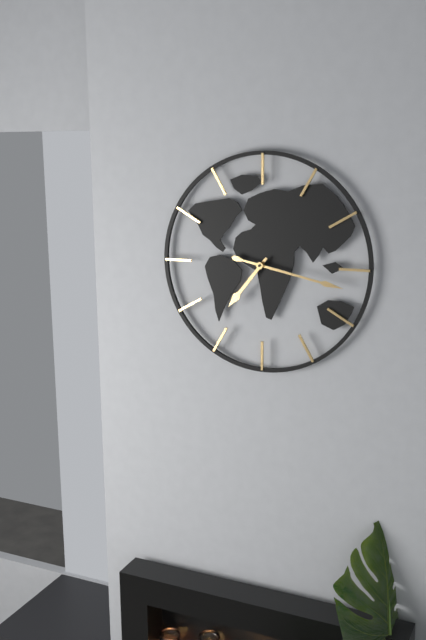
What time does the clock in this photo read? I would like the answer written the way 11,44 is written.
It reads 7,17
